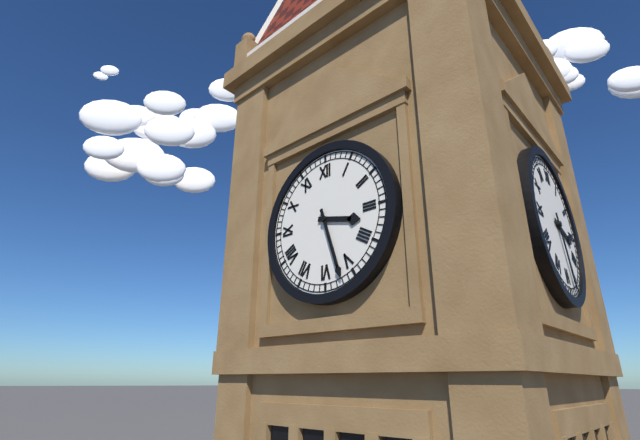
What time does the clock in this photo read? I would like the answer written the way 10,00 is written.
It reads 3,27
